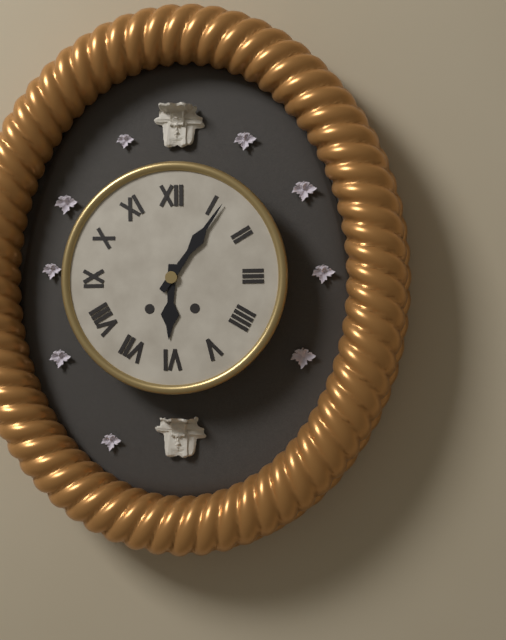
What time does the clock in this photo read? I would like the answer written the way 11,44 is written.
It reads 6,06
